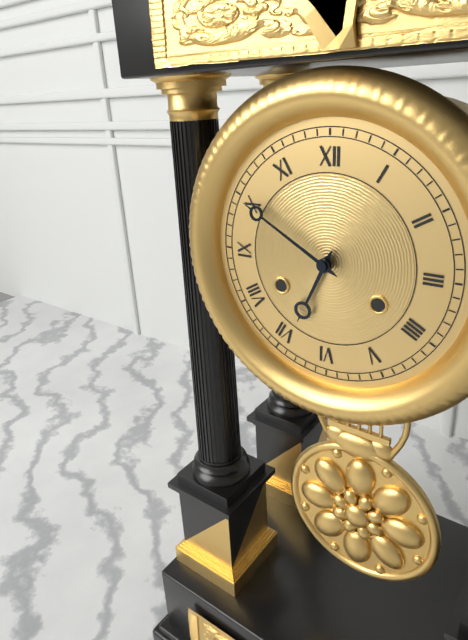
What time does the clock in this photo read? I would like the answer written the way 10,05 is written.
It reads 6,50
